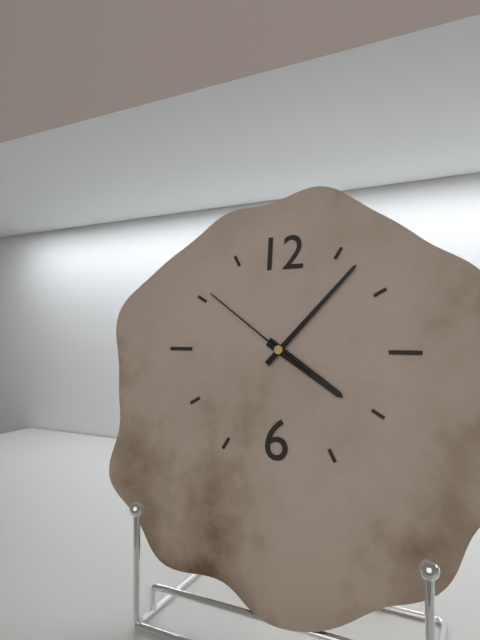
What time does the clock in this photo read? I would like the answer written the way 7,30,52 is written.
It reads 4,07,51
